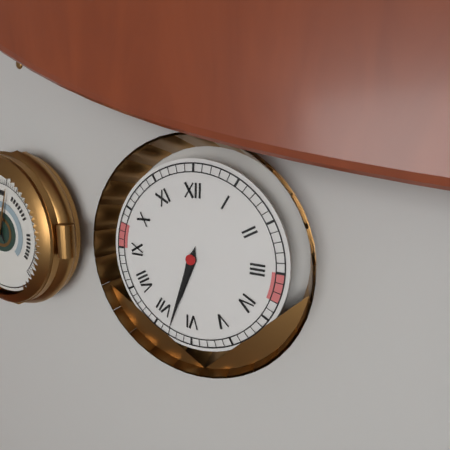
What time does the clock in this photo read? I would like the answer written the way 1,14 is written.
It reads 6,33
